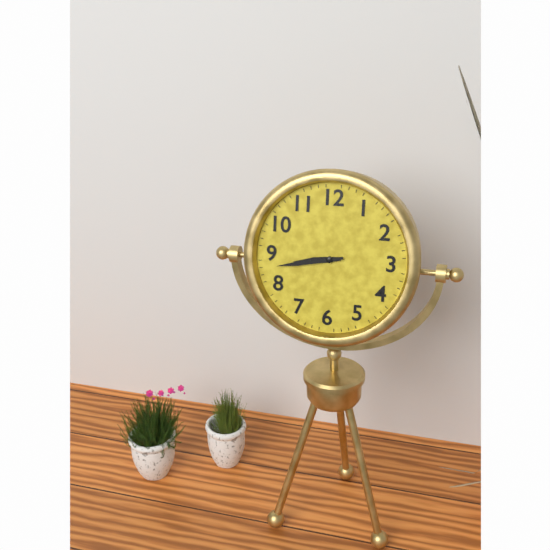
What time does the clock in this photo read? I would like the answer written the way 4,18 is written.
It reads 8,43
